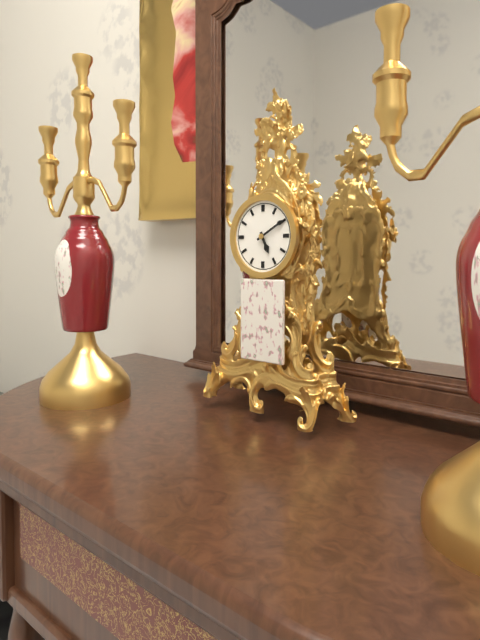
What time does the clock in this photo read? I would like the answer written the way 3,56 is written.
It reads 5,10
